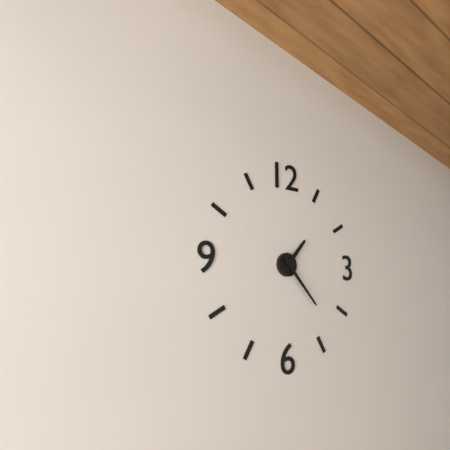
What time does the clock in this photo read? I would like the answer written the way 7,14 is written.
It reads 1,23
